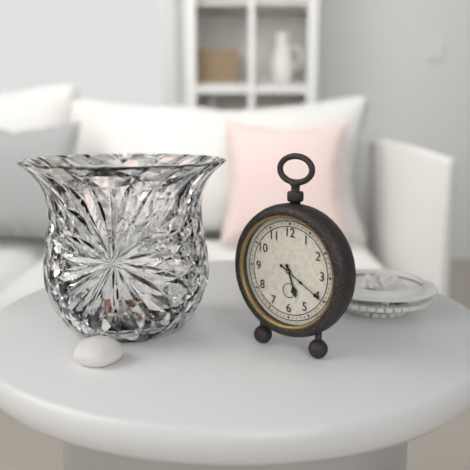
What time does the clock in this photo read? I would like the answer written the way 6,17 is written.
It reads 5,20
